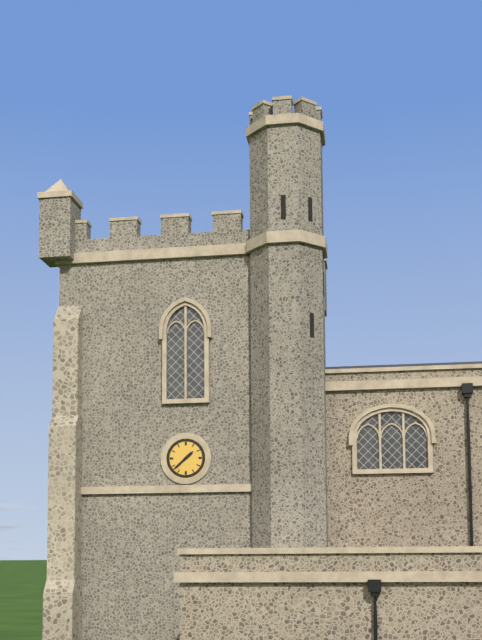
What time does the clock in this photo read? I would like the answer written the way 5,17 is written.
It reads 1,38
